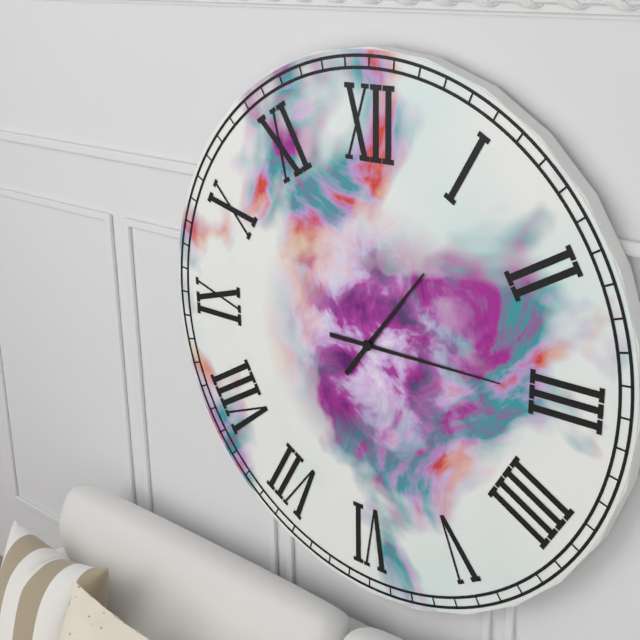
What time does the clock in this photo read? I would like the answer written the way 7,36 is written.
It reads 1,15
